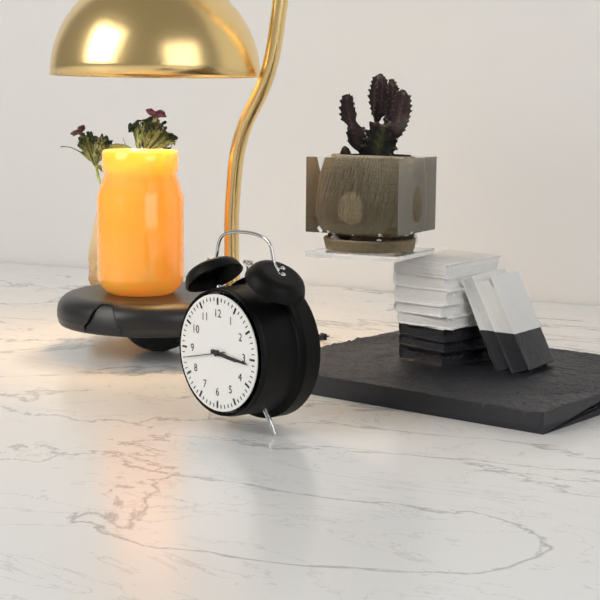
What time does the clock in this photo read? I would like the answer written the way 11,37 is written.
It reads 3,16
